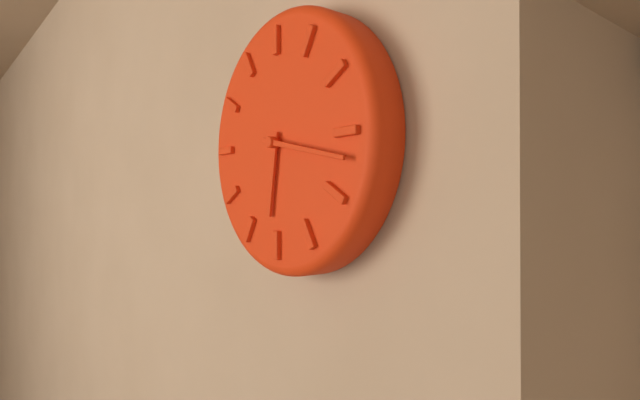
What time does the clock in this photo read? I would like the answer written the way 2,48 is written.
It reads 6,17
